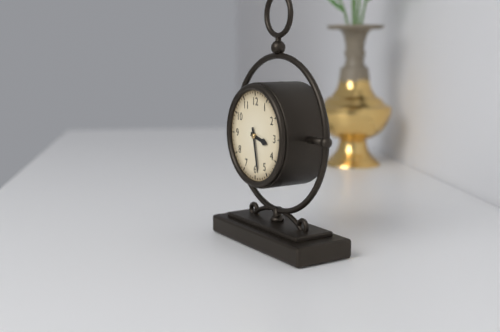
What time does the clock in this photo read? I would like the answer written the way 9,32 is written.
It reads 3,28
